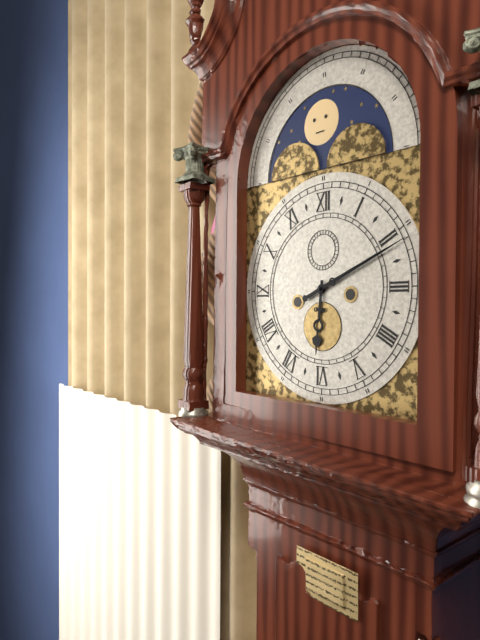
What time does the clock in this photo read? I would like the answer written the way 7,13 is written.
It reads 6,11
